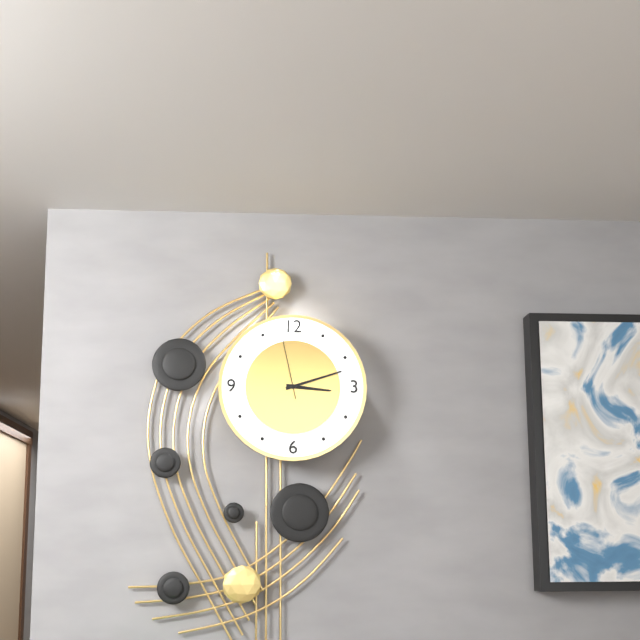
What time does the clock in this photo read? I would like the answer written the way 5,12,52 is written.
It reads 3,12,58
